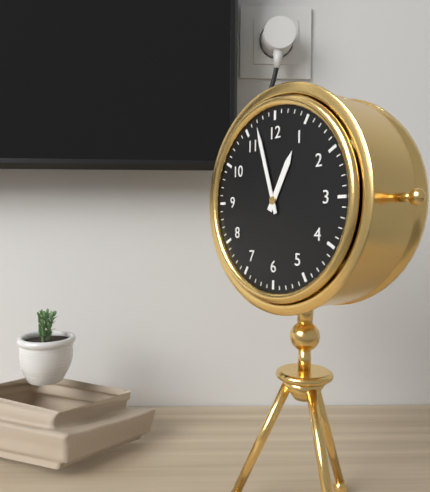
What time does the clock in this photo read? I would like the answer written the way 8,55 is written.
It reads 12,57
